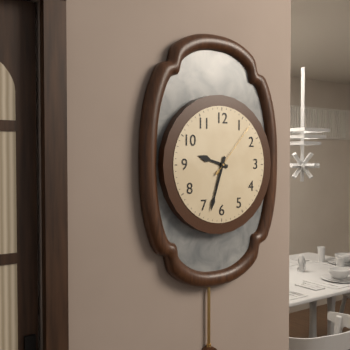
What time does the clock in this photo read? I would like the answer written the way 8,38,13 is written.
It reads 9,33,07
